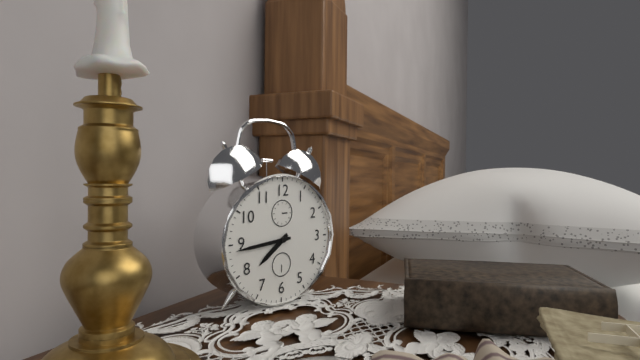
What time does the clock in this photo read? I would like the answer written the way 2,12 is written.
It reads 7,44
